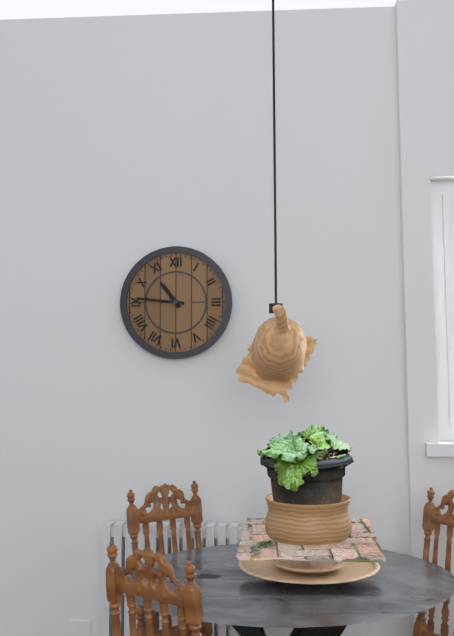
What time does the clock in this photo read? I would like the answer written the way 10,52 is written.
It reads 10,46
